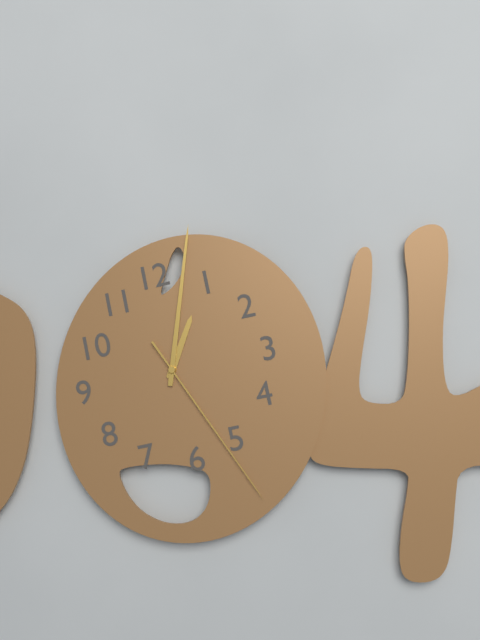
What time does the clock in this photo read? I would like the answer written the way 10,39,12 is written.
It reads 1,03,26
